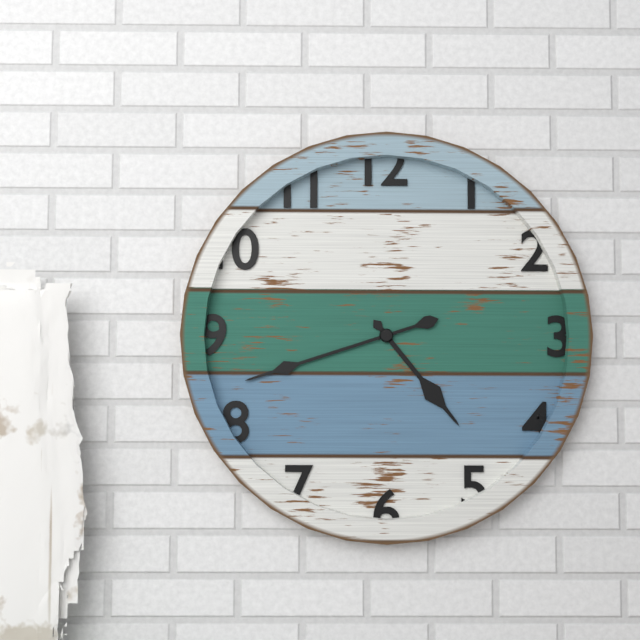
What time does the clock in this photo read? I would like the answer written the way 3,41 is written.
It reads 4,42
